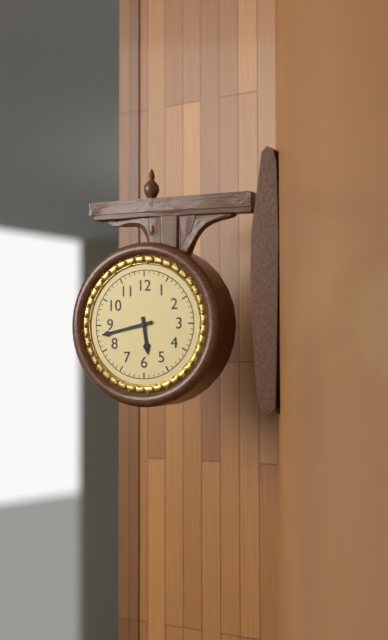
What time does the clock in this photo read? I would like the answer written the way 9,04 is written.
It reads 5,43
